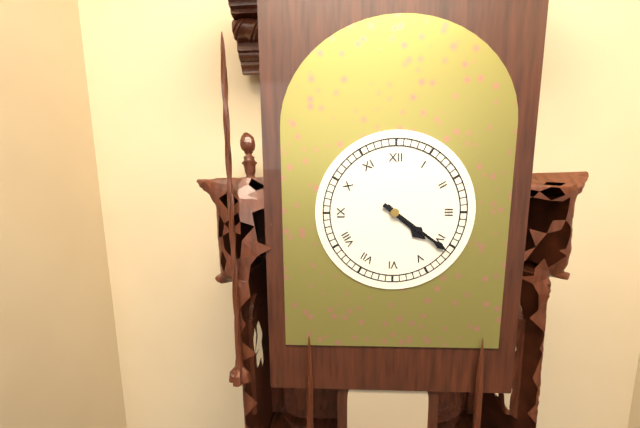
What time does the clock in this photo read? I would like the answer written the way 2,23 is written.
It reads 4,21
